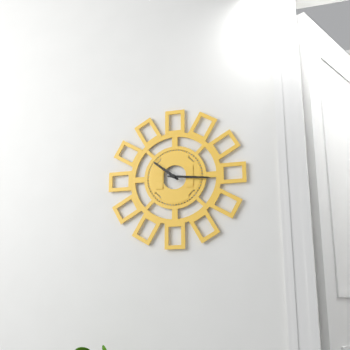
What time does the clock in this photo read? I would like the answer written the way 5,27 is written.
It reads 10,16
